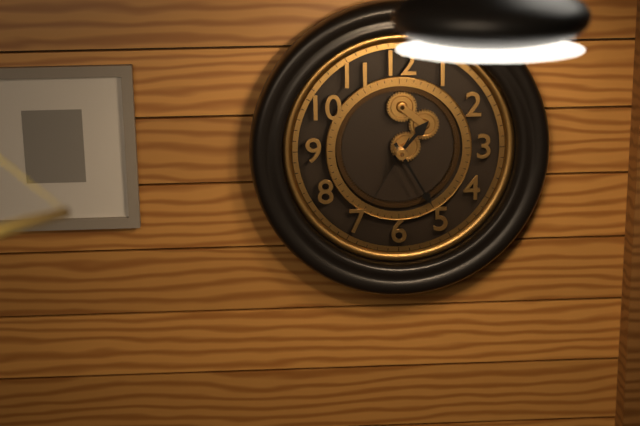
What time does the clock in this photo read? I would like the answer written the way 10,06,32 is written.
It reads 1,25,35
